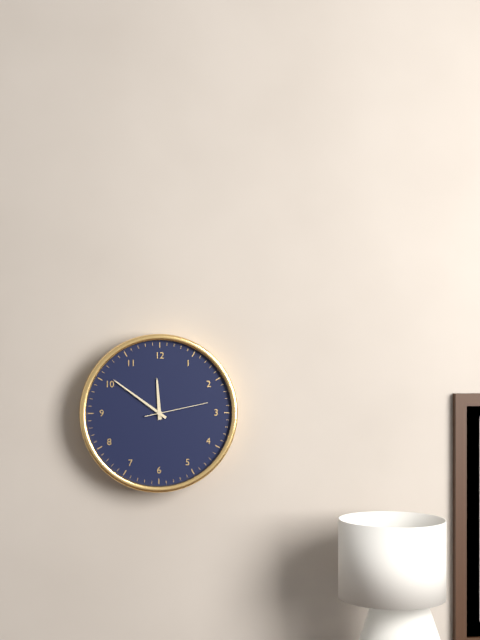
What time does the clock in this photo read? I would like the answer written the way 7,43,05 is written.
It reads 11,51,13
